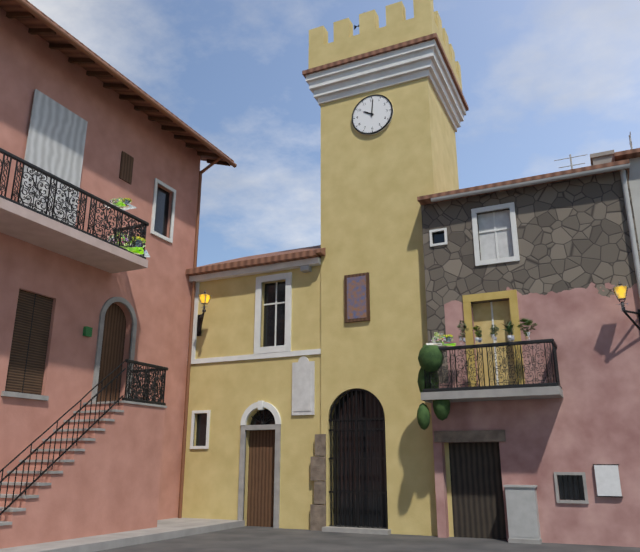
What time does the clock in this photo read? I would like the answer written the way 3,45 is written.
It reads 10,01
